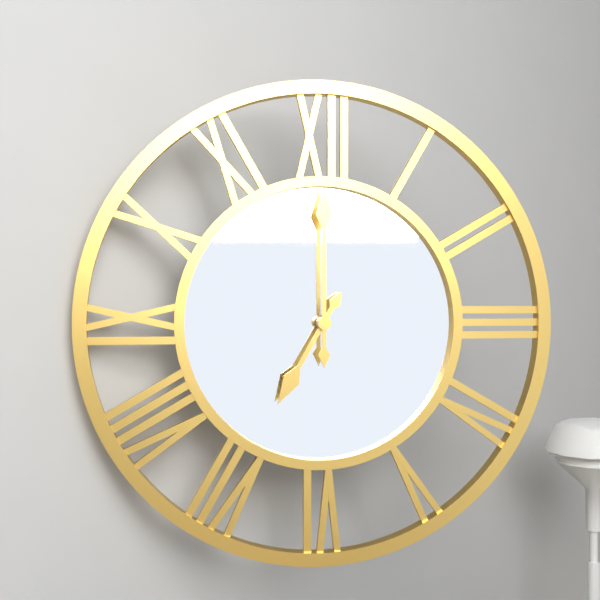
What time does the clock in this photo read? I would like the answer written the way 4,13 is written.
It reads 7,00
